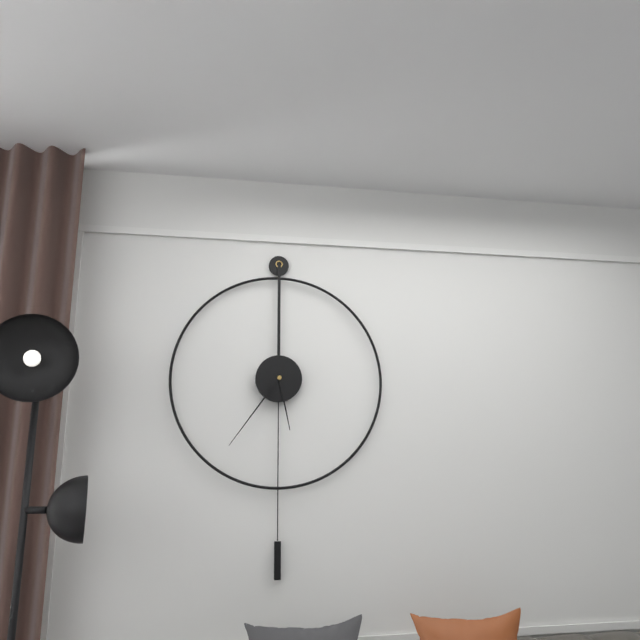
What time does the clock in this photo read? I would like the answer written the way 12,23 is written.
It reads 5,36
